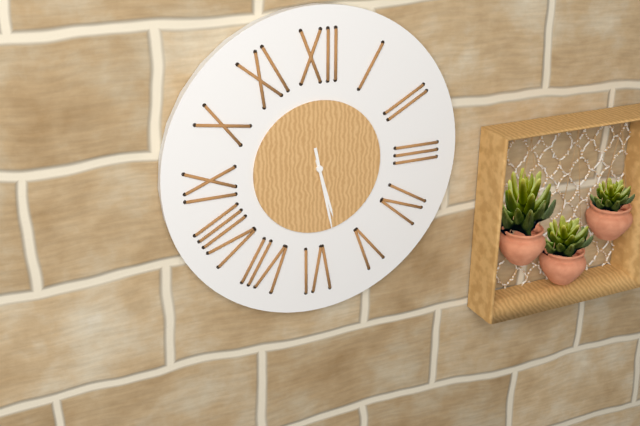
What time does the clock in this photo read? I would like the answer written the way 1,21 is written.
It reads 5,28
